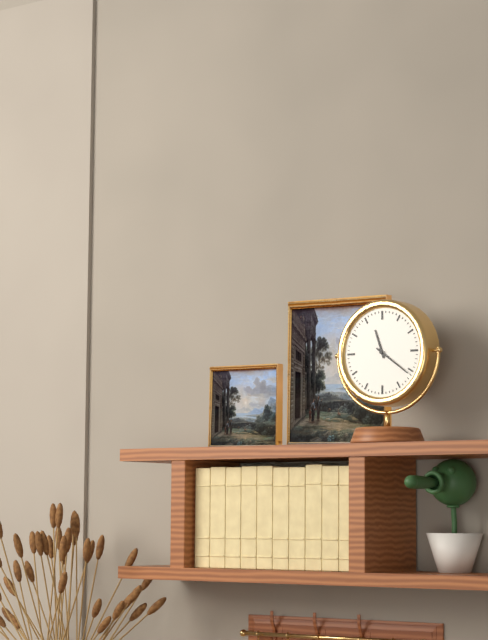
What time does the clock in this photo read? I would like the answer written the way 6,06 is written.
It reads 11,21
